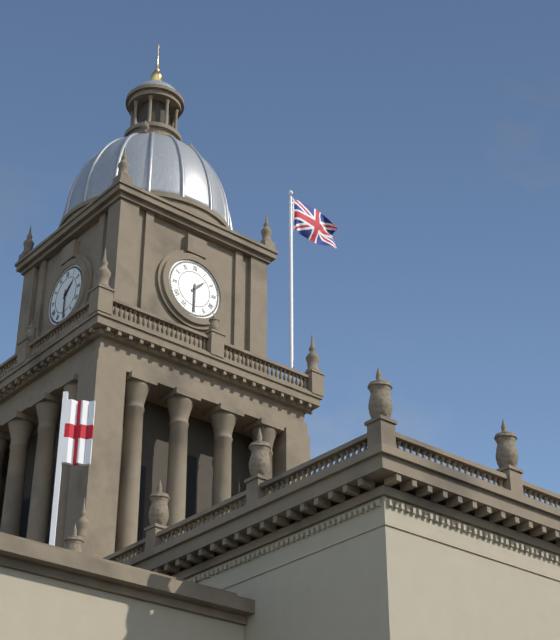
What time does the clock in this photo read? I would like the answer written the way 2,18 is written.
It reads 1,30
